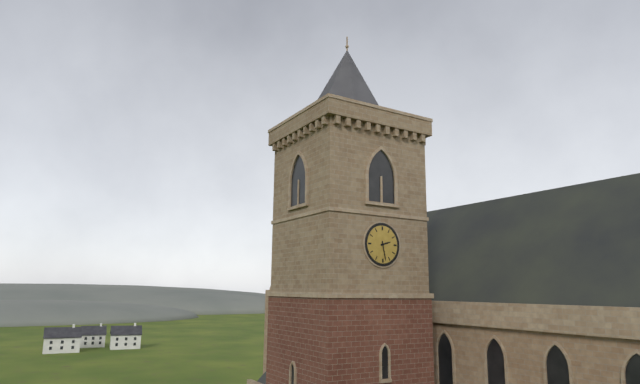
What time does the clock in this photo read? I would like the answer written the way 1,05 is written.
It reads 2,28
